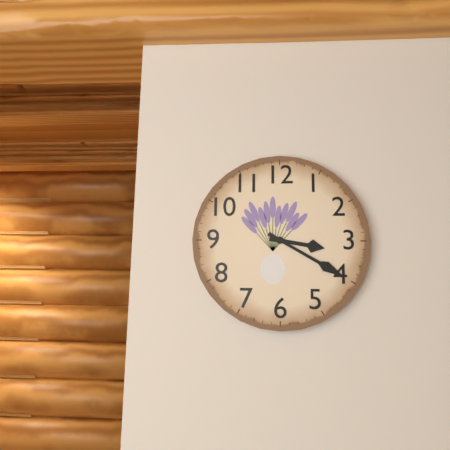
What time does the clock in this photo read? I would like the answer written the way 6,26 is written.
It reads 3,20
